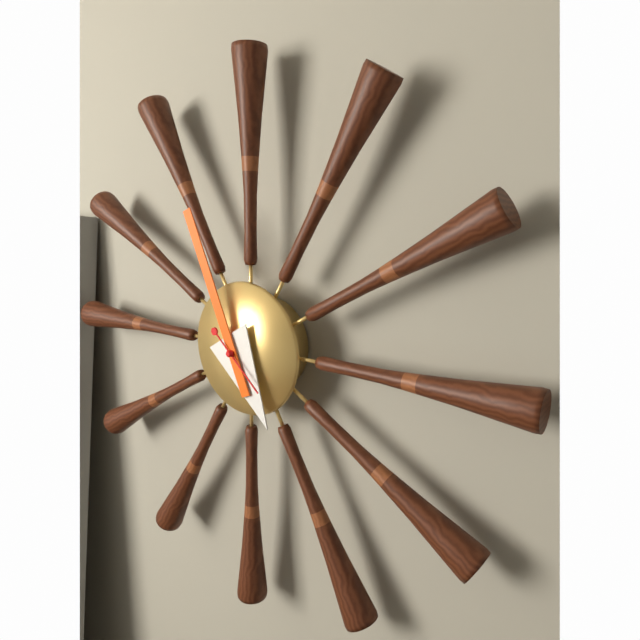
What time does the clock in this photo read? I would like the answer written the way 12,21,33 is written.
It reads 4,56,22
